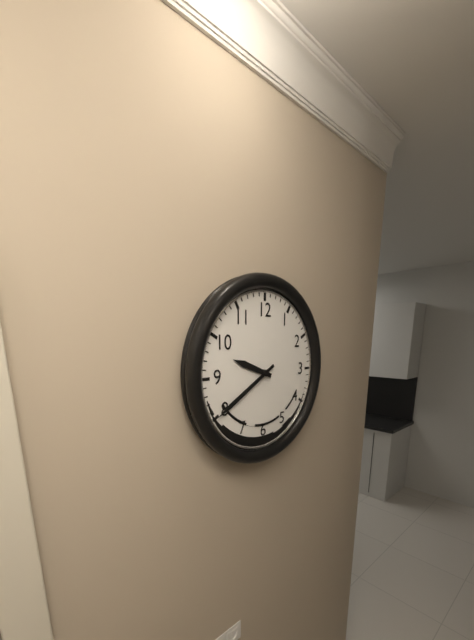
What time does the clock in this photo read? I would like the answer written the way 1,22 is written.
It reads 9,40
